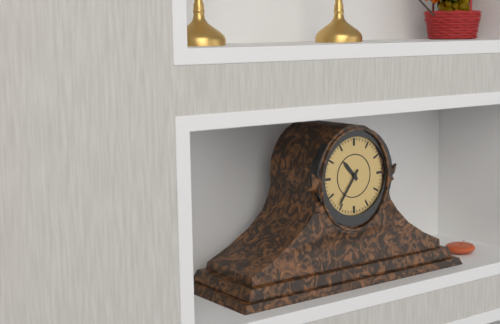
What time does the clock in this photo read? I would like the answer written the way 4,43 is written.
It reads 10,36
